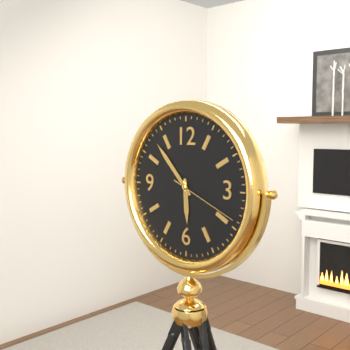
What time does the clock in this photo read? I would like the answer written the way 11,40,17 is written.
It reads 5,53,19
